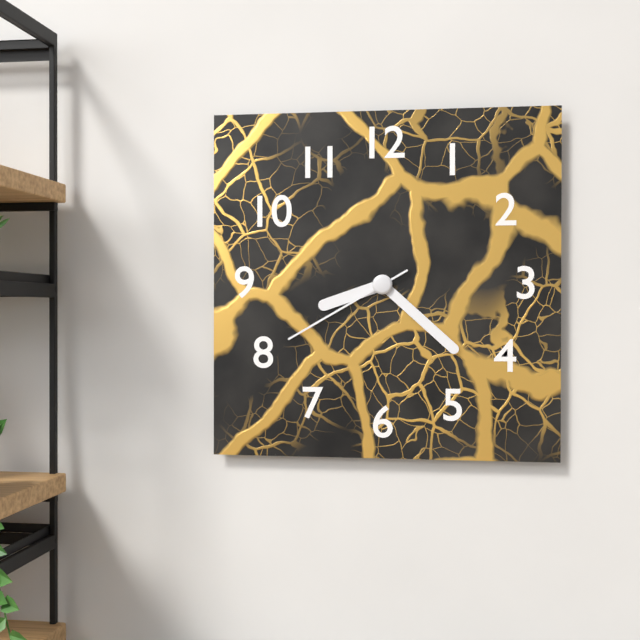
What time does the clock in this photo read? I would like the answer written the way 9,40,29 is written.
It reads 8,22,40
